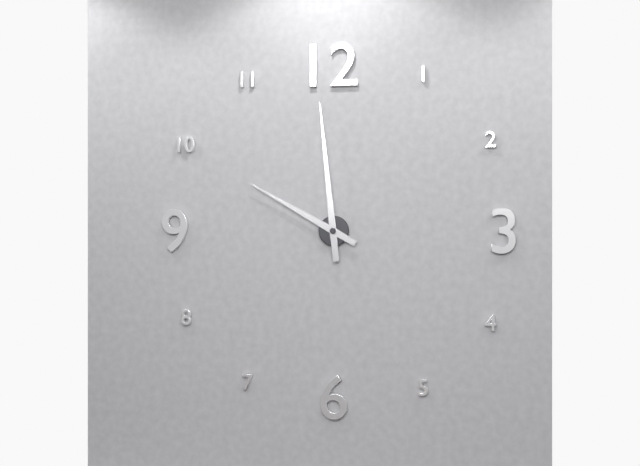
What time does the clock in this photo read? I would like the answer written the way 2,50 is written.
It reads 9,59
